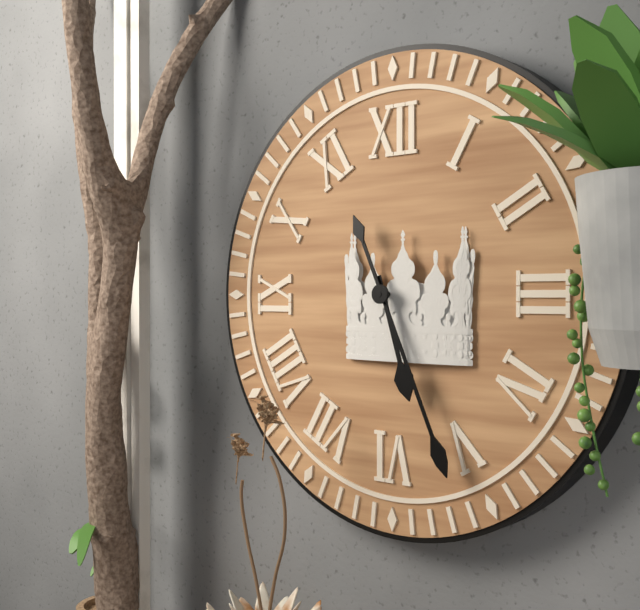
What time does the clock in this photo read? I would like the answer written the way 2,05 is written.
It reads 5,26
